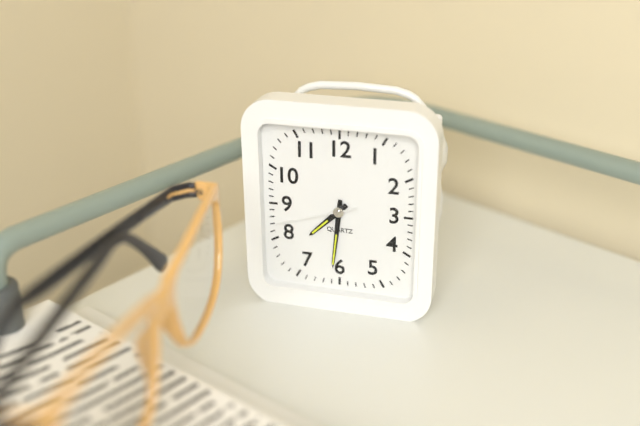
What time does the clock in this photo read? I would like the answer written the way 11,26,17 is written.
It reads 7,31,42
